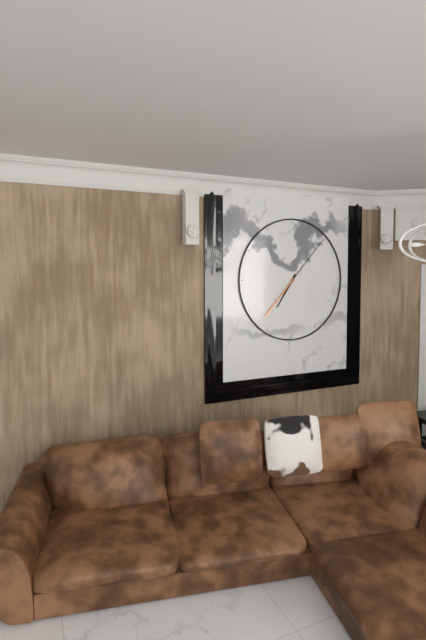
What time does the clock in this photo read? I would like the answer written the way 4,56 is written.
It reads 7,07
